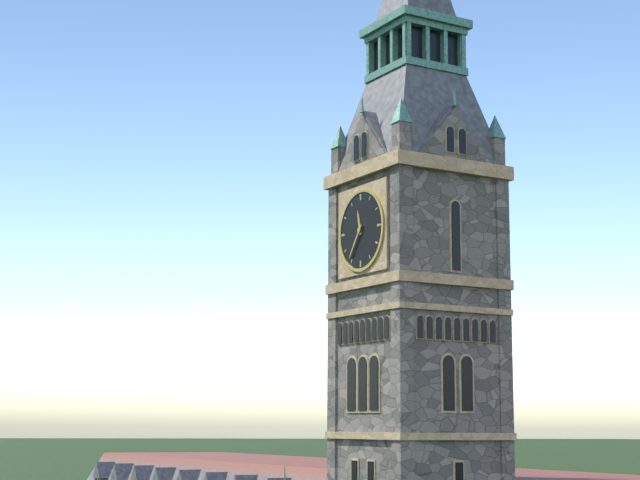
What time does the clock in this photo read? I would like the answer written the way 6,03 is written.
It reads 11,36
